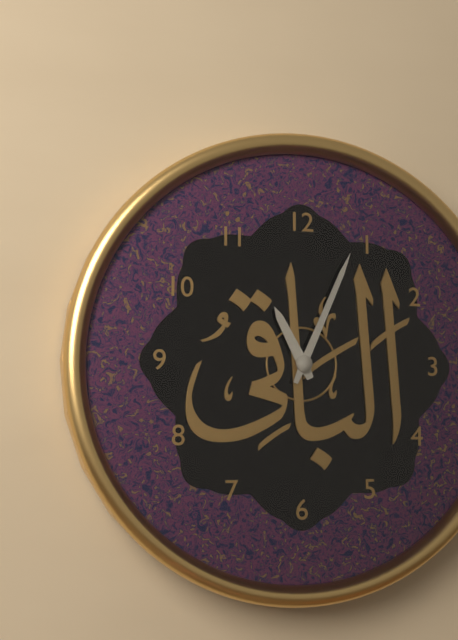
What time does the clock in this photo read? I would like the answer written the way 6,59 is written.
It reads 11,04
